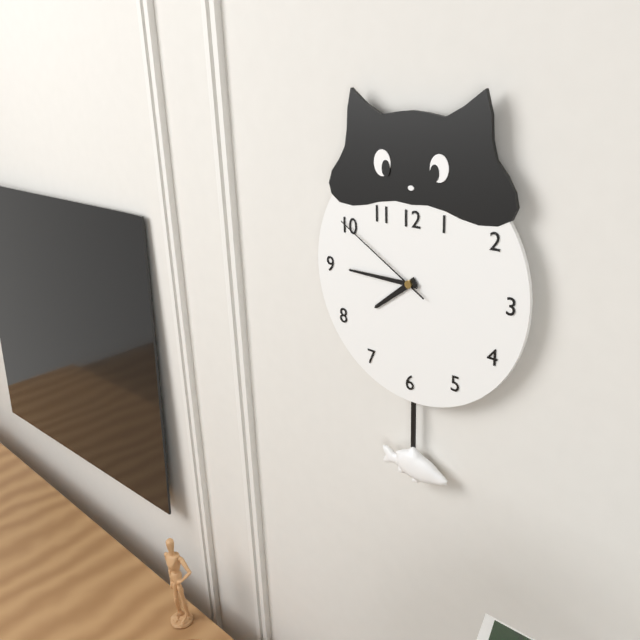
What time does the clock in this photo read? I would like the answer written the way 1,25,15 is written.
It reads 7,45,50
